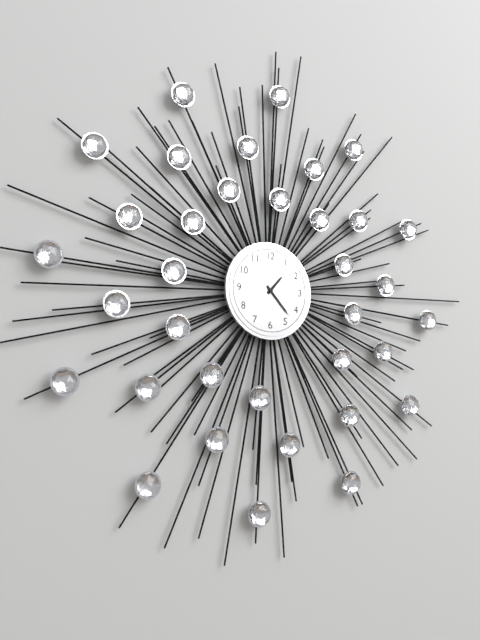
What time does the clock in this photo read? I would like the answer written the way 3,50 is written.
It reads 1,23
